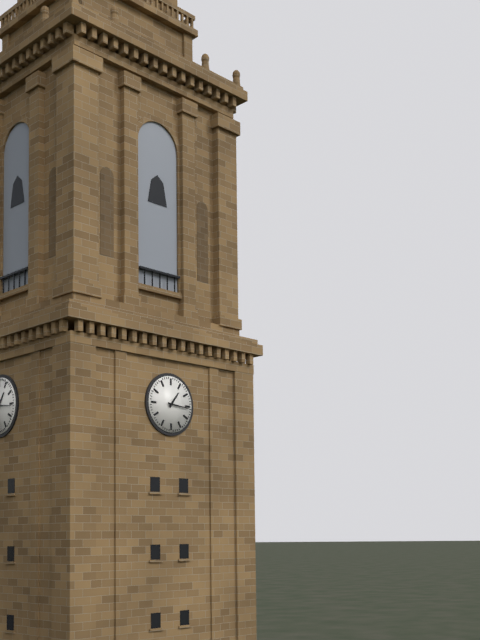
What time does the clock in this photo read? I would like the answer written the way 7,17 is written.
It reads 1,16
